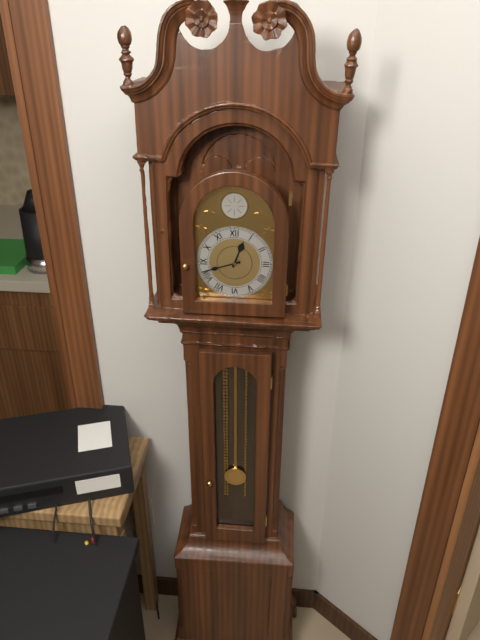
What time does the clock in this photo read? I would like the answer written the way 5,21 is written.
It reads 12,42
